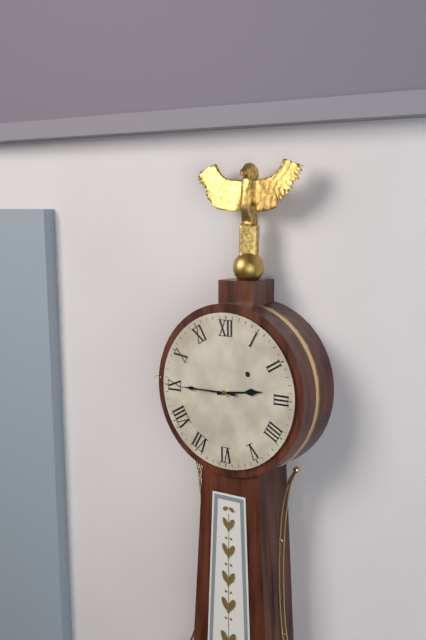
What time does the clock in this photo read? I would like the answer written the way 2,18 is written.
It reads 2,45
